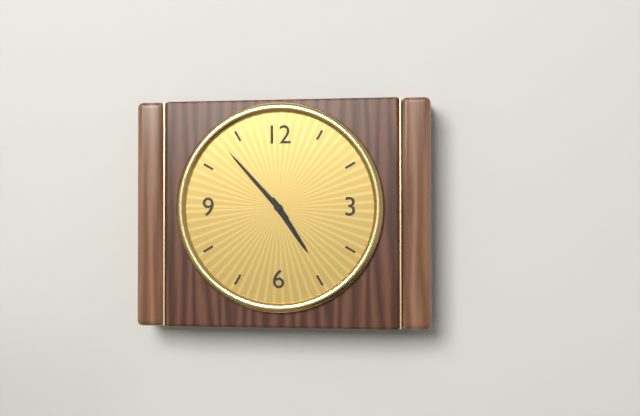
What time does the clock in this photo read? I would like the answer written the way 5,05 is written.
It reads 4,53
